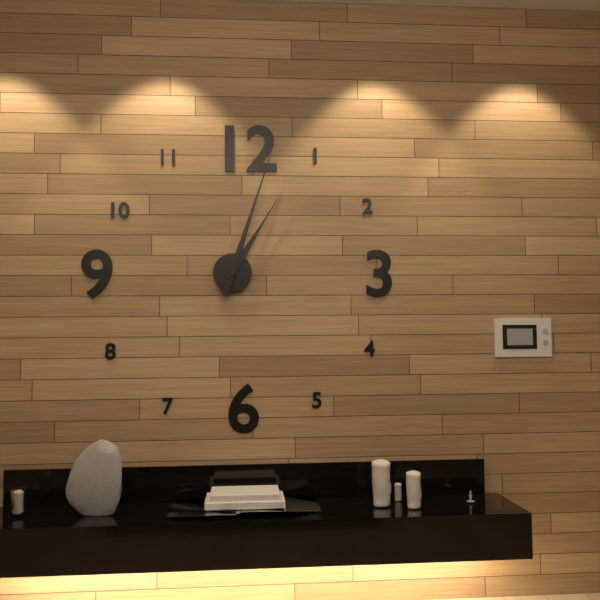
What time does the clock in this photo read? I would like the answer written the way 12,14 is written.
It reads 1,03
